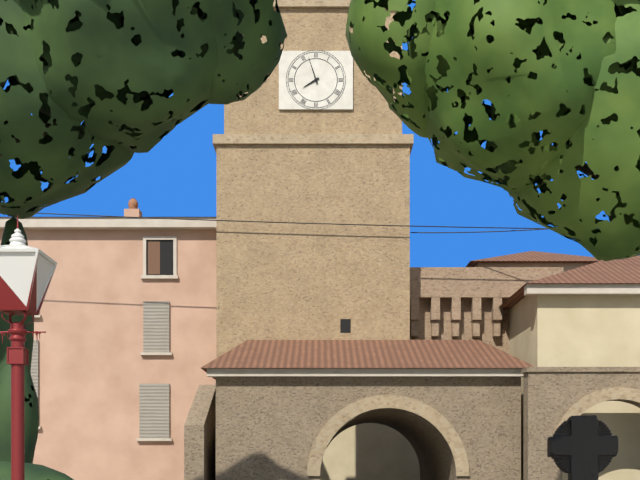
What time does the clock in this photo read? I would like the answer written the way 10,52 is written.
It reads 7,57
